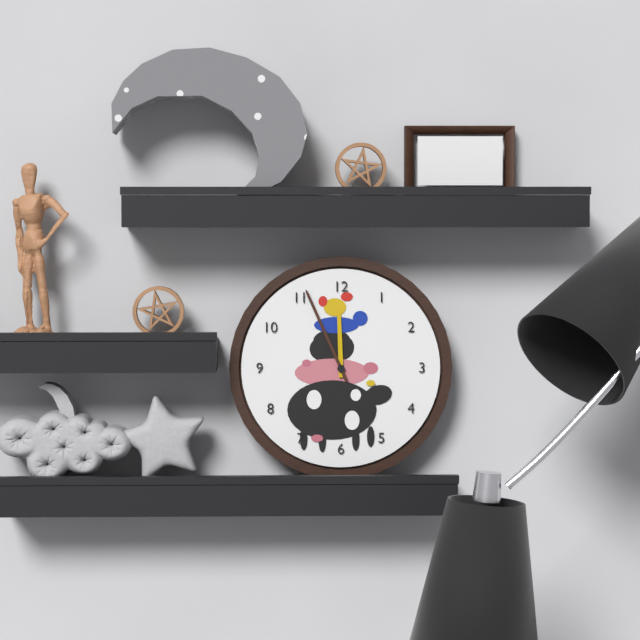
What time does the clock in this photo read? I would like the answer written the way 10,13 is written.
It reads 11,56
